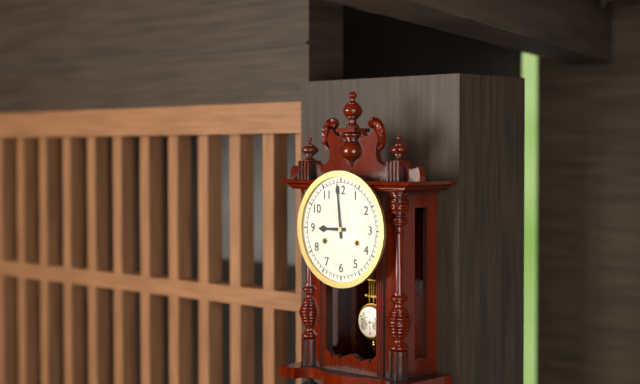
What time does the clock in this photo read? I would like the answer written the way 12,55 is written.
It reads 8,59
